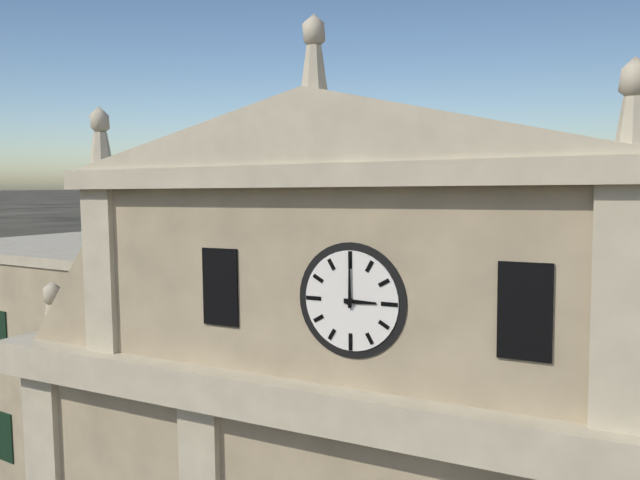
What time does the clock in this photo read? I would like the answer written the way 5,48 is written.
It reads 3,00
